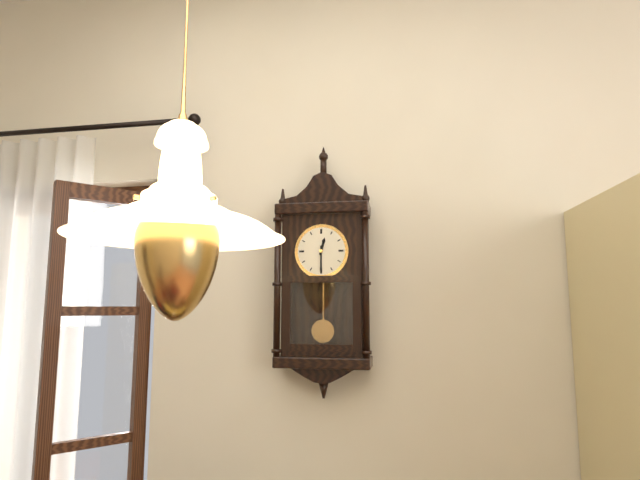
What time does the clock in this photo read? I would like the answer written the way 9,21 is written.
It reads 12,30
